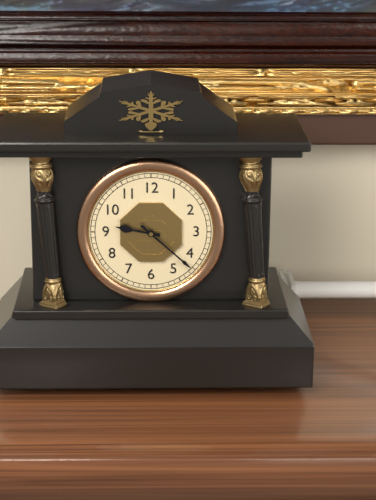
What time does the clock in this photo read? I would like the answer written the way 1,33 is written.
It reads 9,22
